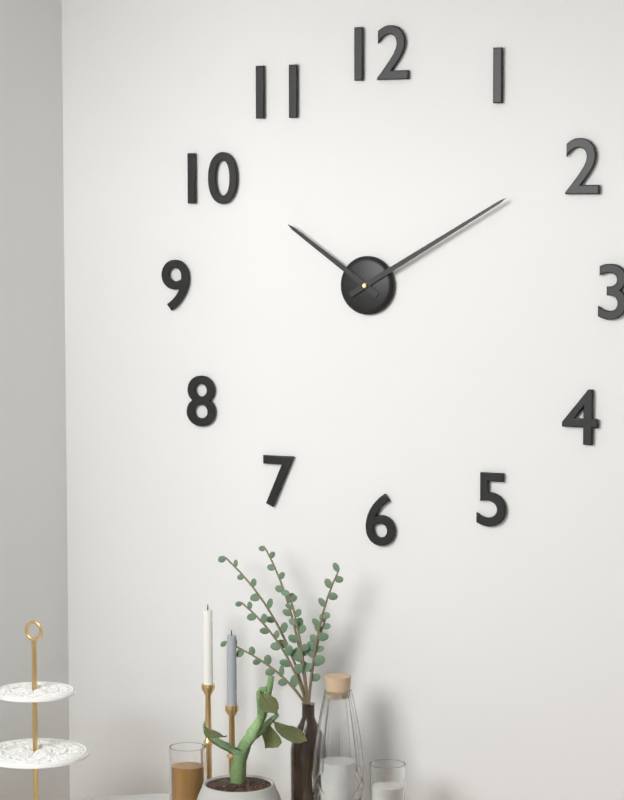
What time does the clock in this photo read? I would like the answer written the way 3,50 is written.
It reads 10,10
